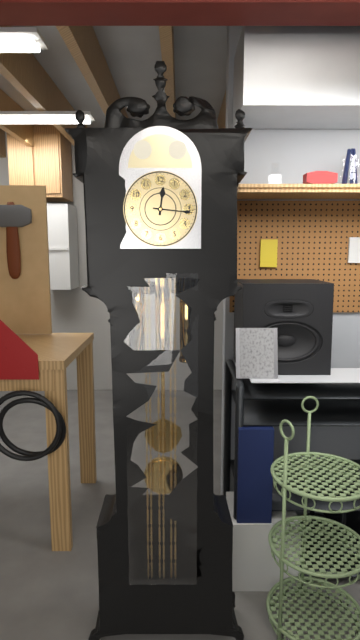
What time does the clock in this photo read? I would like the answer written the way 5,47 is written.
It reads 12,16
